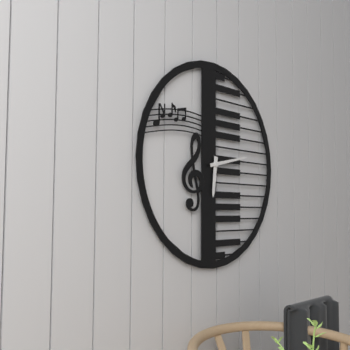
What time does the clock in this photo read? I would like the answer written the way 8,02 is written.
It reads 6,13
